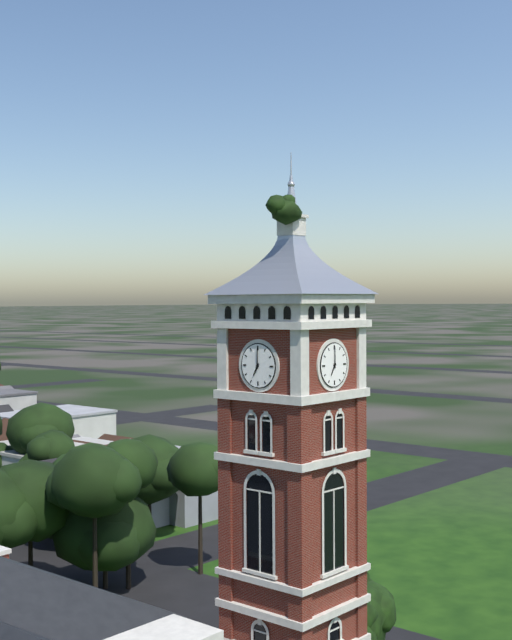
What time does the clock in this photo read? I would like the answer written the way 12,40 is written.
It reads 7,00
